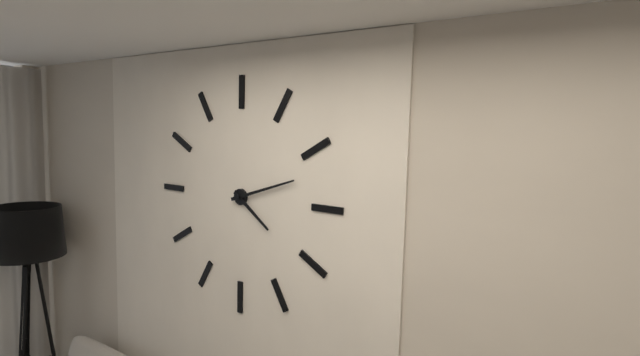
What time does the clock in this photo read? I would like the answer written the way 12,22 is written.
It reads 4,12
